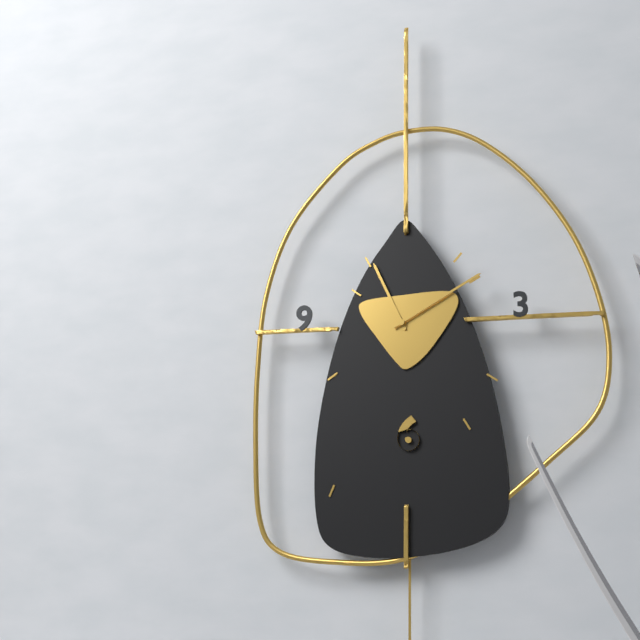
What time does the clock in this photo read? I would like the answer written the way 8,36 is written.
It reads 11,10
